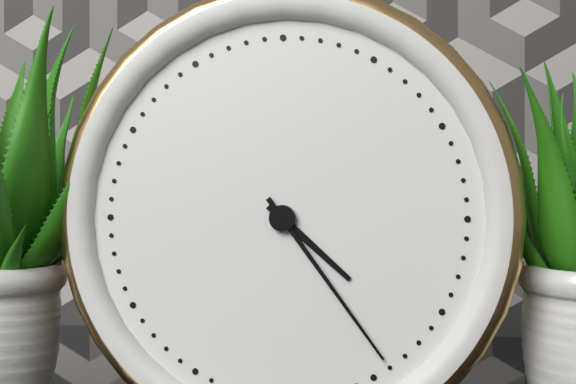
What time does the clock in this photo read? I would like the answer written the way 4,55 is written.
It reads 4,24
